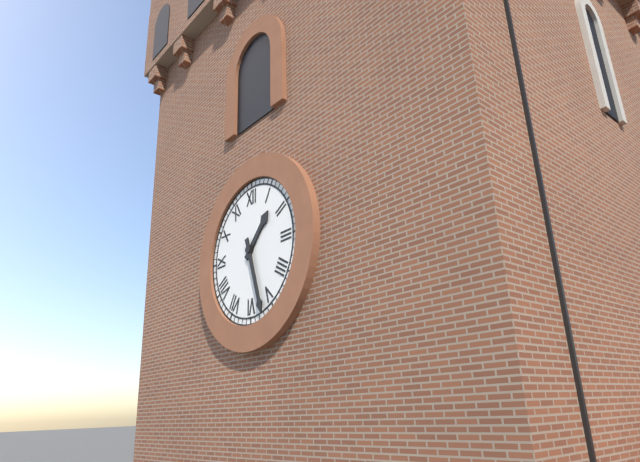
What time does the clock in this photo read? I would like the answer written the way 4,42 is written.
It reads 1,27
